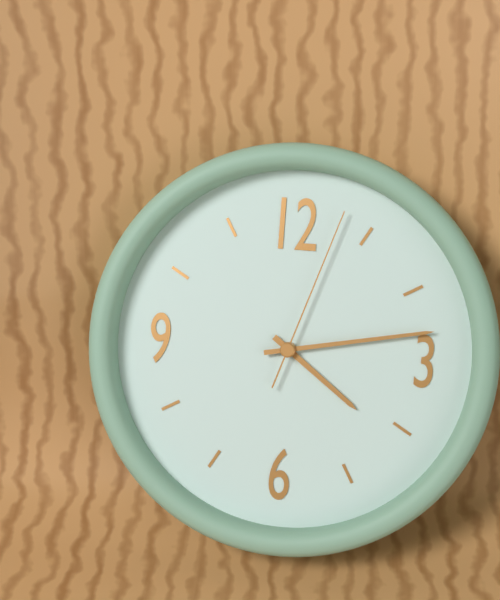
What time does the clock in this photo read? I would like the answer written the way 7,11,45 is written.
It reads 4,13,03
